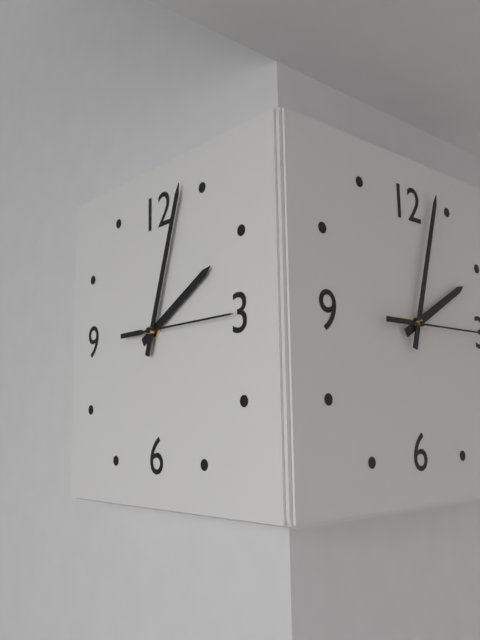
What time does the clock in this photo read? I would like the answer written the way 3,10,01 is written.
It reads 2,03,15
